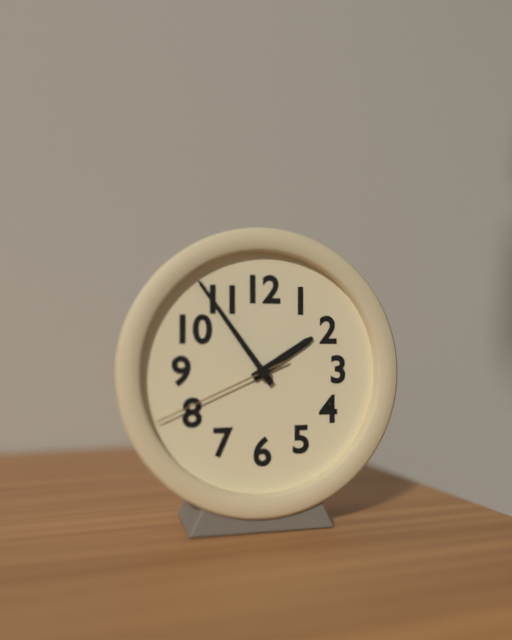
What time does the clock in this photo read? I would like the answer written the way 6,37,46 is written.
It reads 1,54,41
